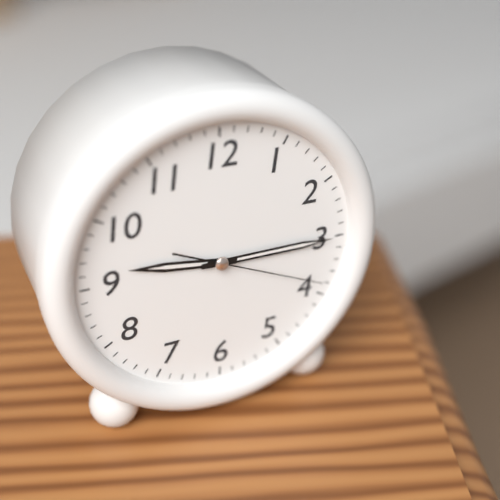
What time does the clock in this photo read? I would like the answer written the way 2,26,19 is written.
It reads 9,15,19
